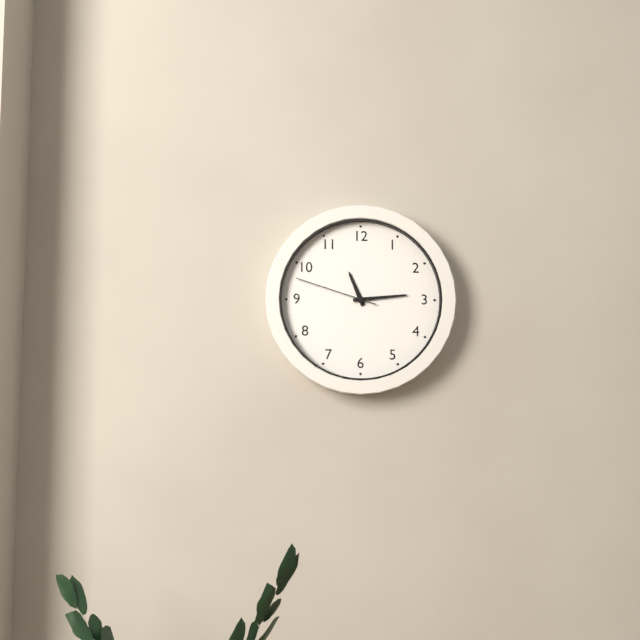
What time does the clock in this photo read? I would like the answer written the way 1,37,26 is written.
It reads 11,14,48
